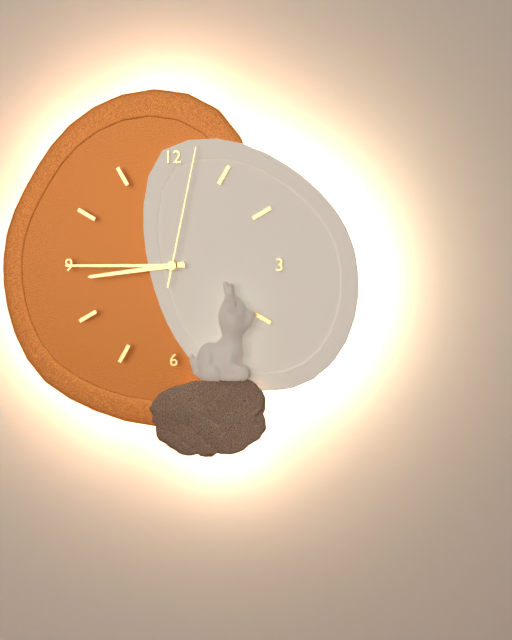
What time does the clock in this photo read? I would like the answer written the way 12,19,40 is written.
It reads 8,45,02
